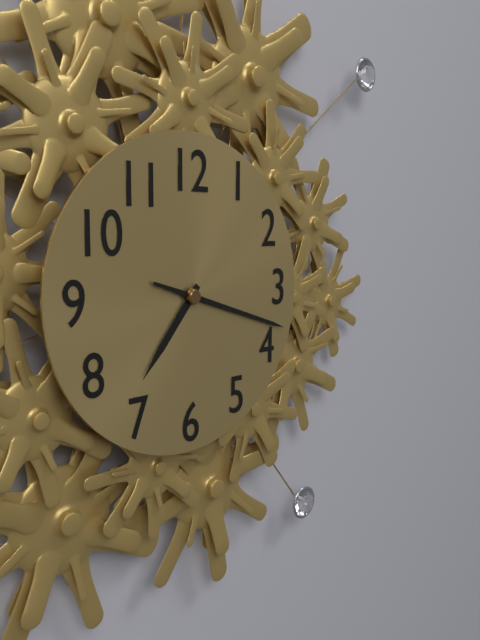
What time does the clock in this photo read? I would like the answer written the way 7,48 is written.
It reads 7,18
